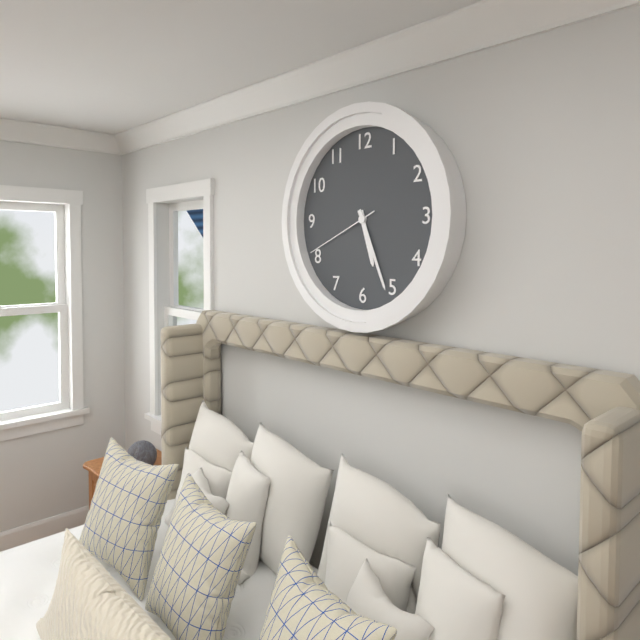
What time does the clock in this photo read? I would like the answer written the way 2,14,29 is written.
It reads 5,26,41
